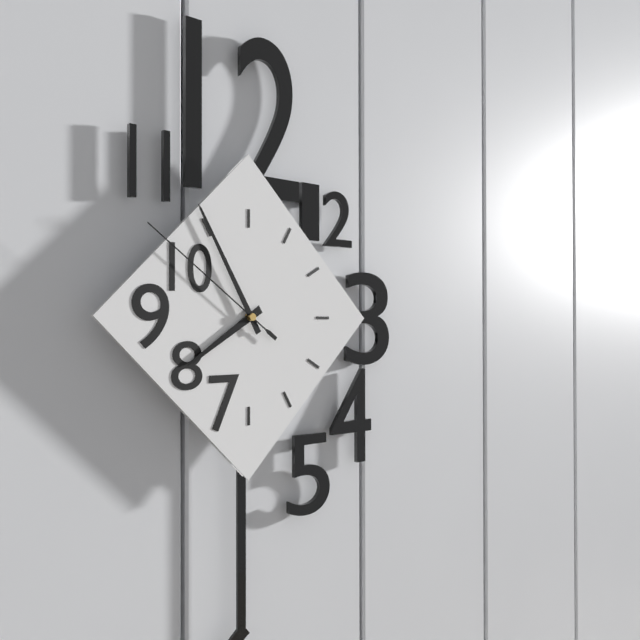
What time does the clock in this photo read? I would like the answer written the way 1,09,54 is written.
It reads 7,55,51
